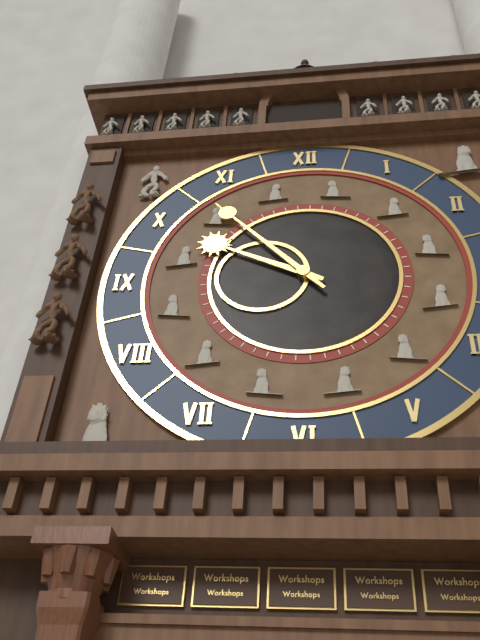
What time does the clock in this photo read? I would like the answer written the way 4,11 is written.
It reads 9,53
